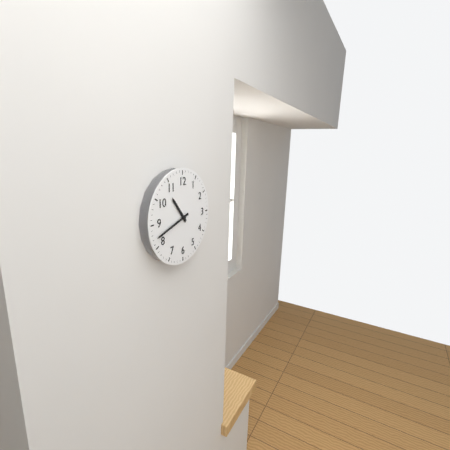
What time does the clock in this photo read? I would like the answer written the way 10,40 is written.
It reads 10,42
